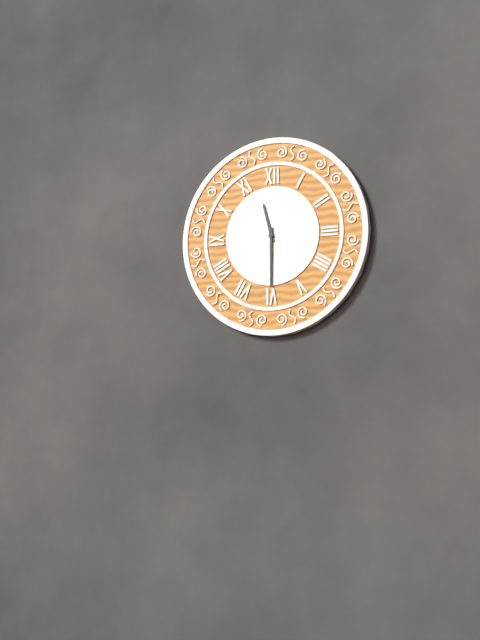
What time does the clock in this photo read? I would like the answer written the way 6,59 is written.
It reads 11,30
